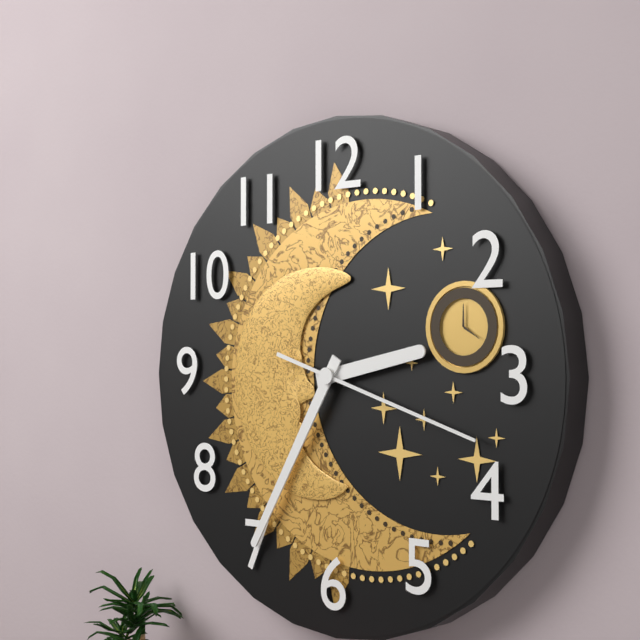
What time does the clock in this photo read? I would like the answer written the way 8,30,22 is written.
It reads 2,35,18
